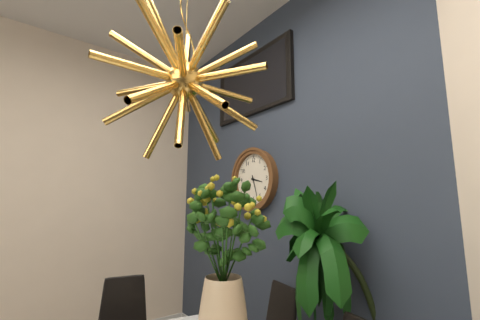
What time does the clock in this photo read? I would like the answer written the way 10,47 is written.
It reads 3,27
